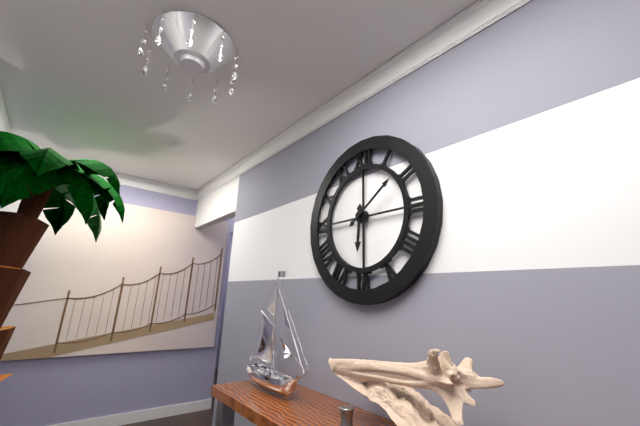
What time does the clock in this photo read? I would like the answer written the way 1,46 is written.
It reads 6,09
